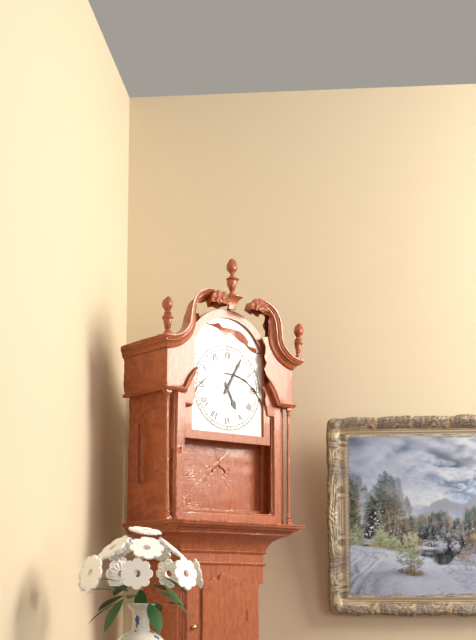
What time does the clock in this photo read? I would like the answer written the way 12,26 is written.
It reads 5,05
